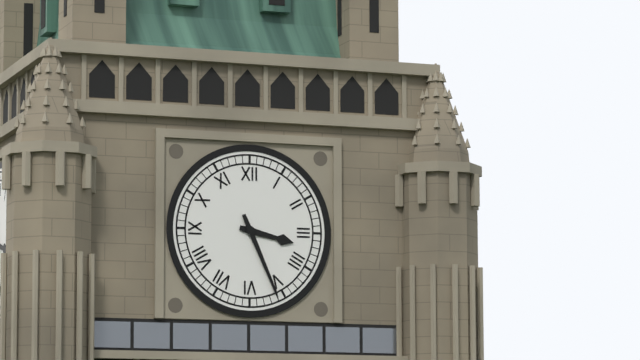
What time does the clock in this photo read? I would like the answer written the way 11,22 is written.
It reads 3,26
